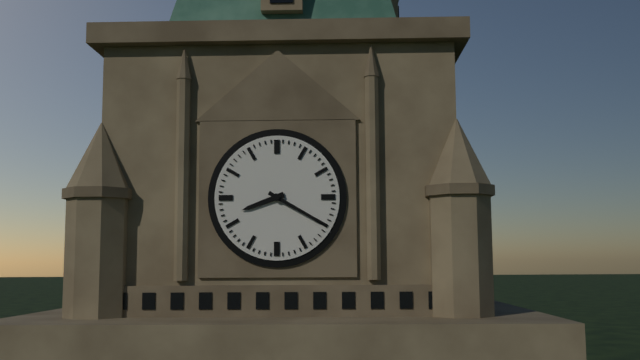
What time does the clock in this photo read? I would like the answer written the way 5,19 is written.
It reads 8,20
